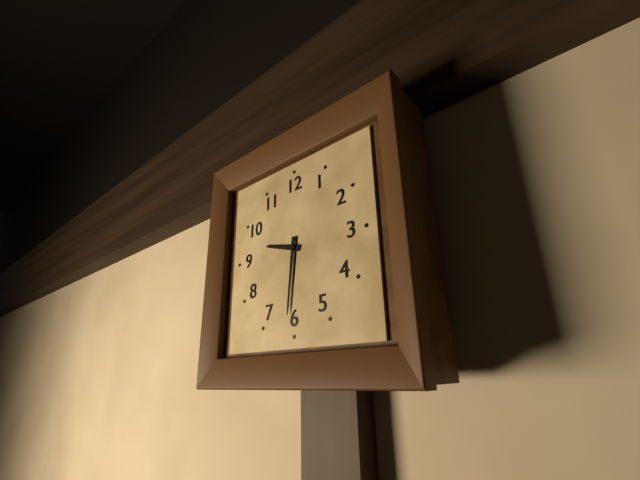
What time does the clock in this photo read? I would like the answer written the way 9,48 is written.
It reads 9,31
